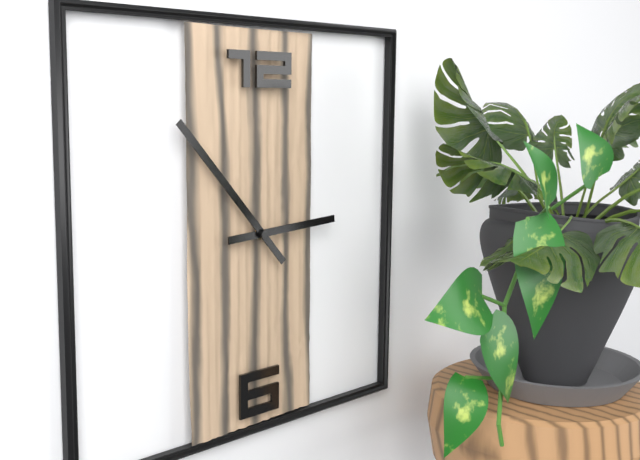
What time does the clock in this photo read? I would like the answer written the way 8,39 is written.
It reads 2,53
